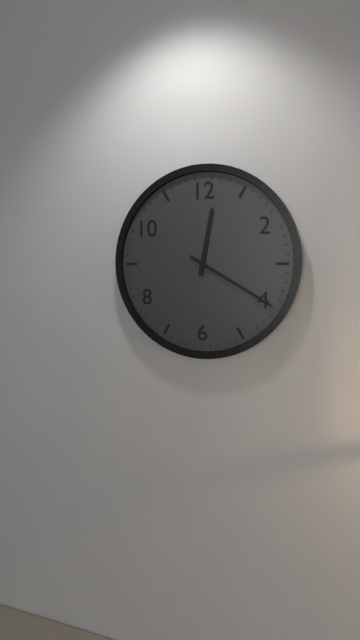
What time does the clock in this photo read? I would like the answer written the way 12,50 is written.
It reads 12,20
